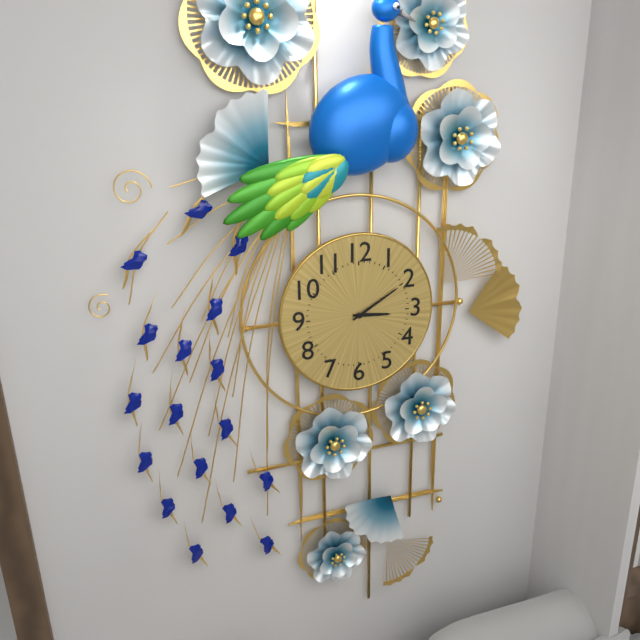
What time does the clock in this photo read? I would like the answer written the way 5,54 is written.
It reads 3,10
